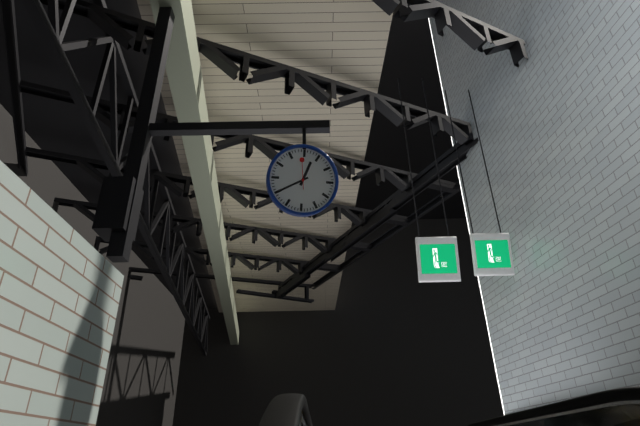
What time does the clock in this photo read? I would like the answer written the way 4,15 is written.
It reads 12,40
